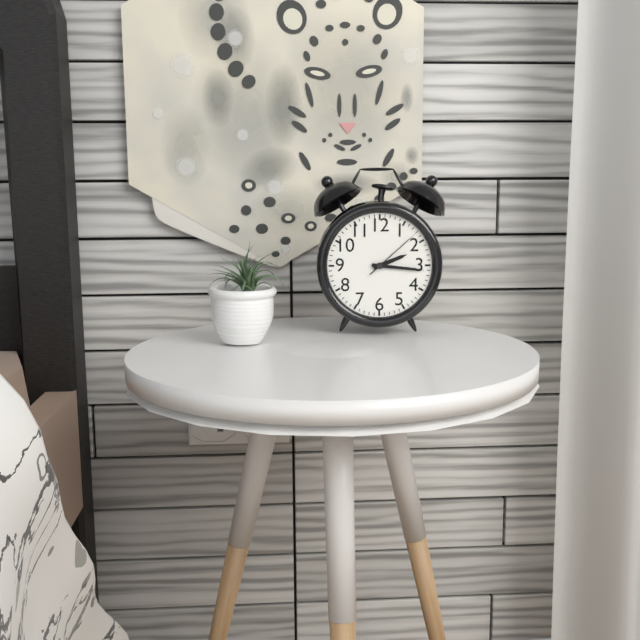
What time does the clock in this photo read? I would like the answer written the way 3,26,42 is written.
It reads 2,16,08
